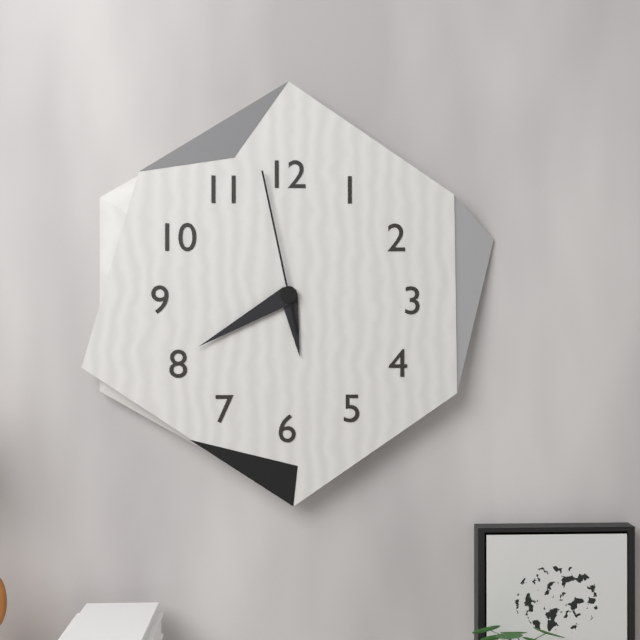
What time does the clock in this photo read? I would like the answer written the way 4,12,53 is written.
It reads 5,40,58
